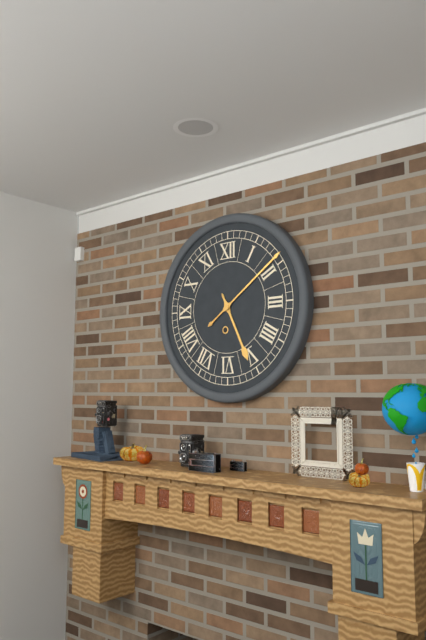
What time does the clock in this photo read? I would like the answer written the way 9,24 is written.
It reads 5,09
